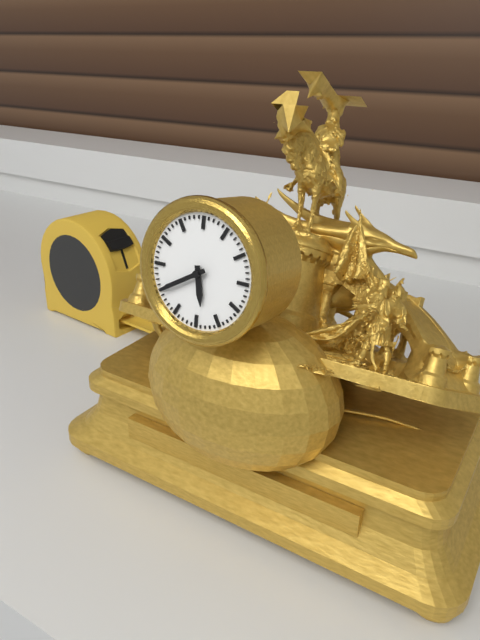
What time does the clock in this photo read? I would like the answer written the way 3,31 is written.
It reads 5,40
